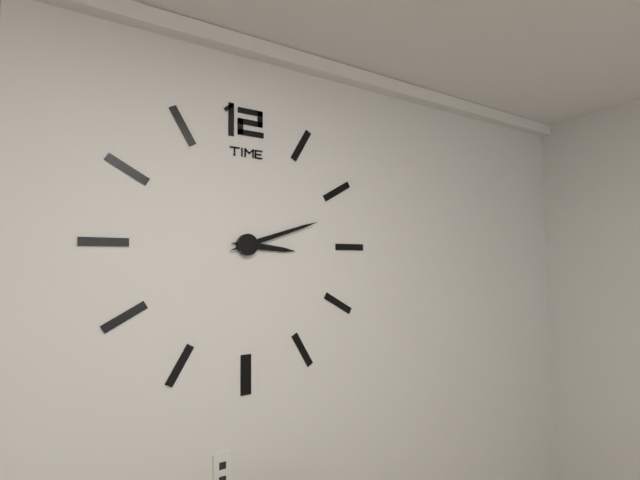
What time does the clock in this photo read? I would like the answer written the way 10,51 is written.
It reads 3,12
